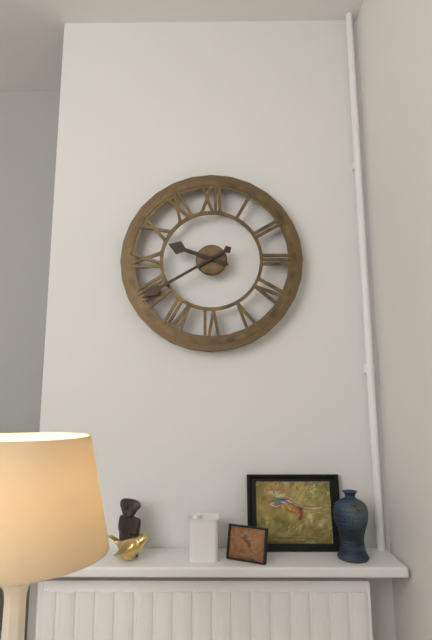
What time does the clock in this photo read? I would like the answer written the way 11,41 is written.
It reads 9,40
